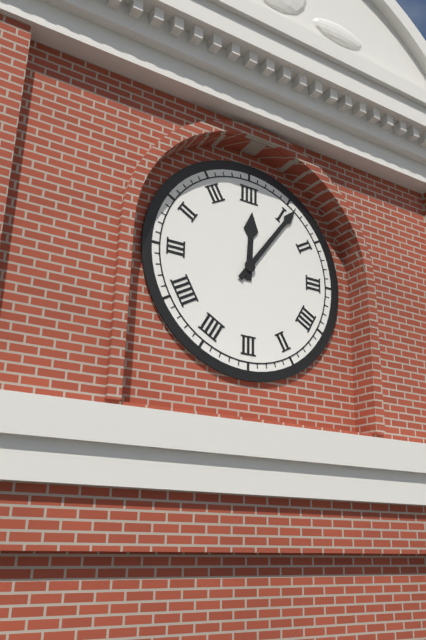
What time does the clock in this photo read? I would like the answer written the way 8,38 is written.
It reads 12,06
